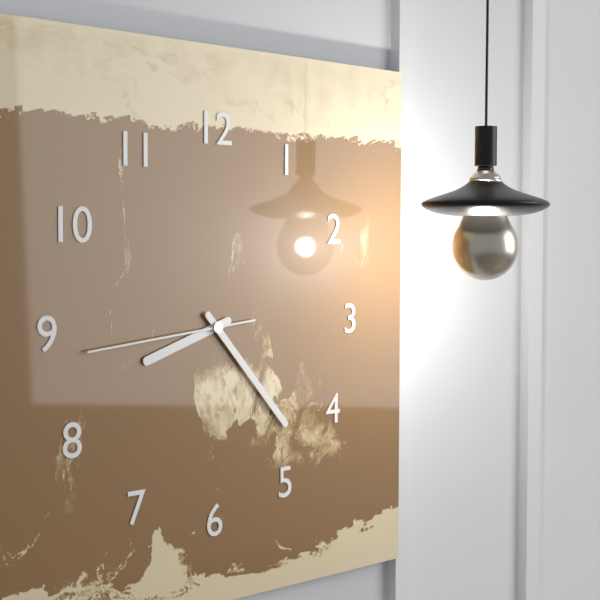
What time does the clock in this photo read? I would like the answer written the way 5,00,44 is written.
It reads 8,23,44
